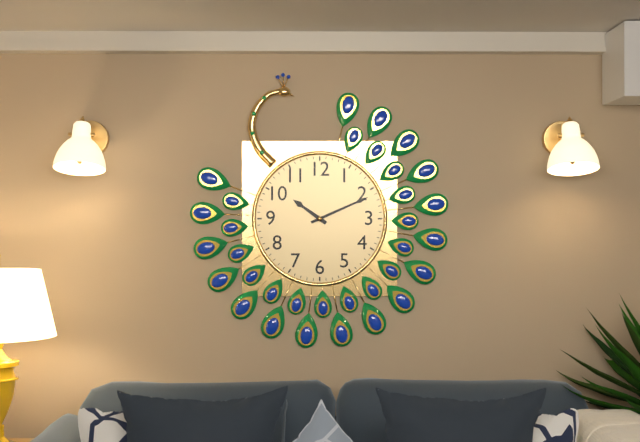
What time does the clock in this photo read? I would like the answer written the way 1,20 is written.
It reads 10,11
